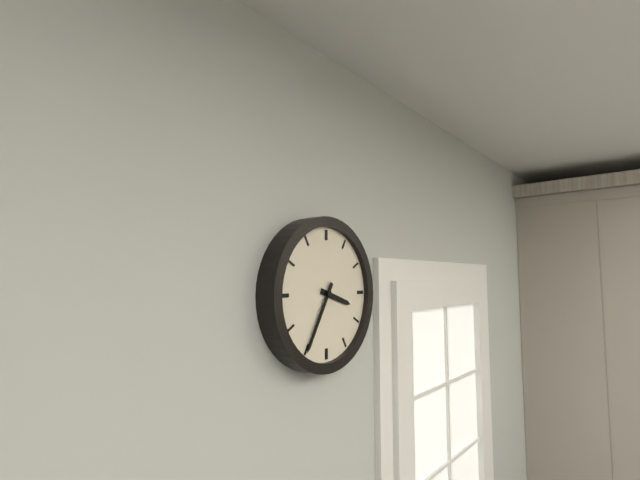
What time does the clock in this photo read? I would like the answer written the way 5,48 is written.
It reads 3,35
